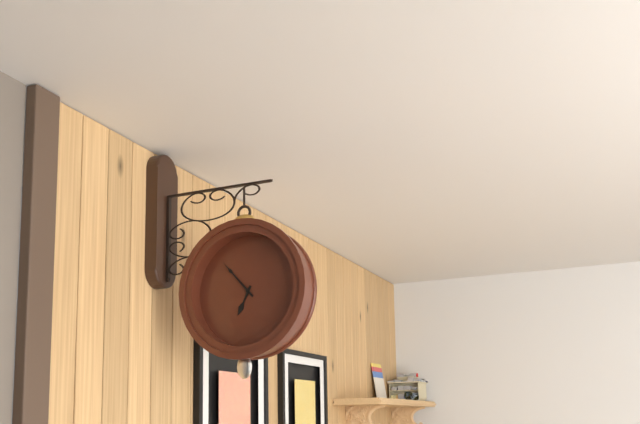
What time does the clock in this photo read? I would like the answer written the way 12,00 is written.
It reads 6,53
